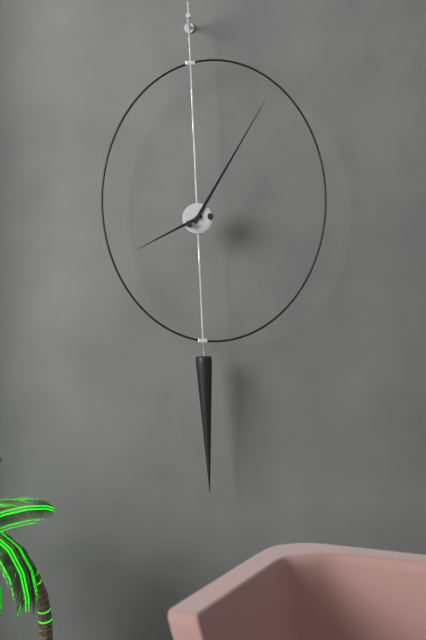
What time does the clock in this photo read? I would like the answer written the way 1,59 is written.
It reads 8,05
